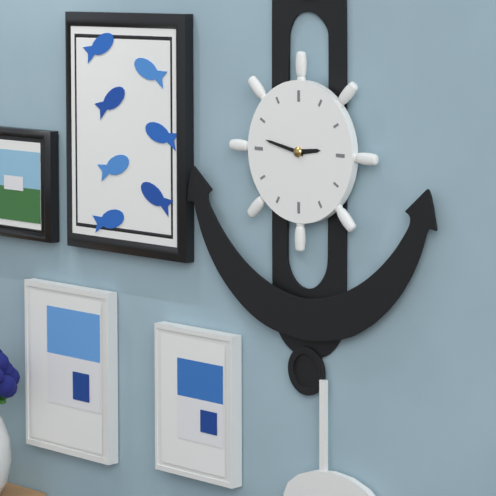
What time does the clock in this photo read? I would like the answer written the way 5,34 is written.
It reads 2,47
